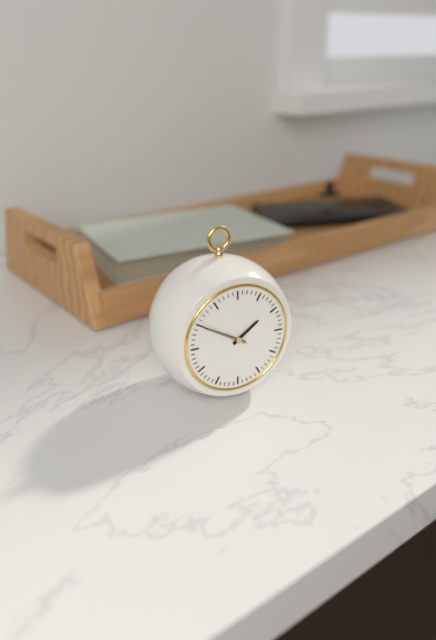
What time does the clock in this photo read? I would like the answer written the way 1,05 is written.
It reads 1,50
